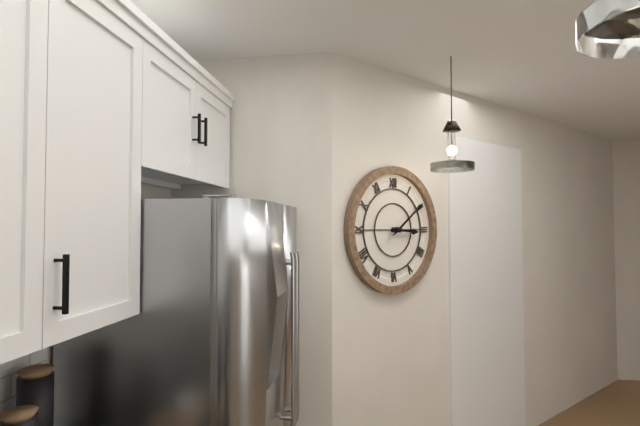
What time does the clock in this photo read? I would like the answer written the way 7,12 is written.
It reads 3,09
